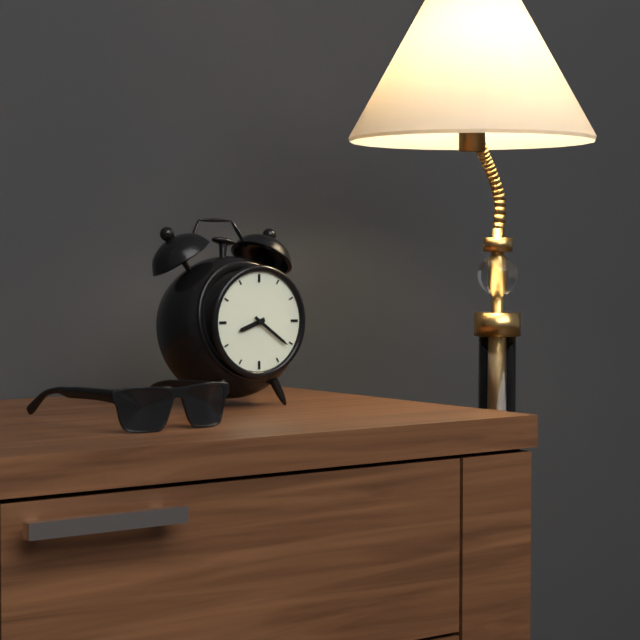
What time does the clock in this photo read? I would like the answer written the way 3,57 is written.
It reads 8,21
